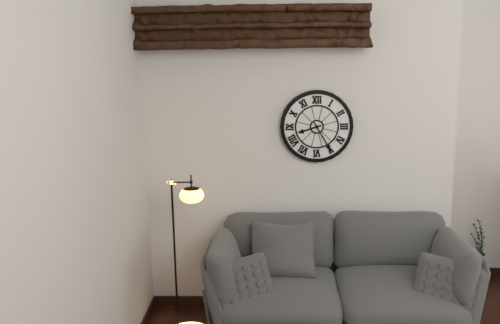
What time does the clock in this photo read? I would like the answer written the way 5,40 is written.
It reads 8,25
